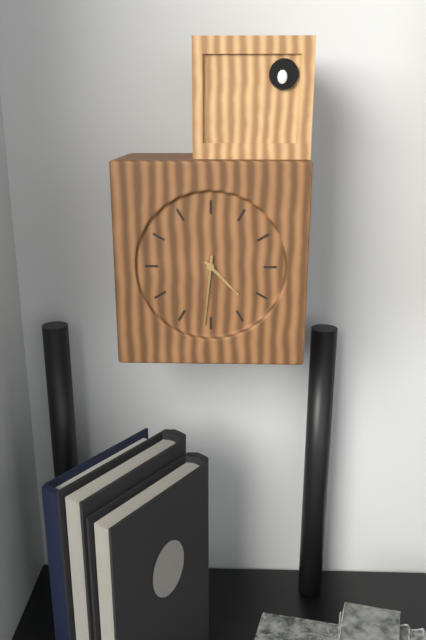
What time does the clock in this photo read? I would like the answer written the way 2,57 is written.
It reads 4,31
